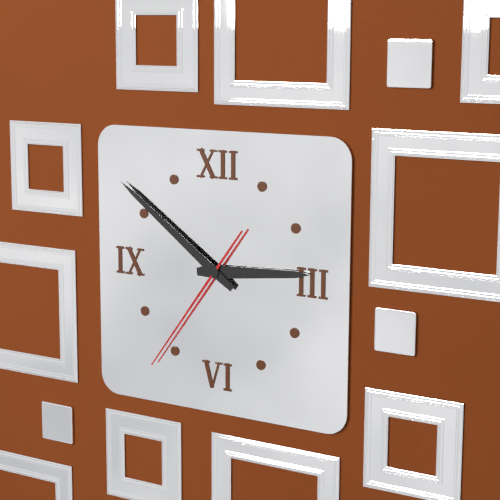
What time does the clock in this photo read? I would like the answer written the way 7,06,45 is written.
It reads 2,51,36
